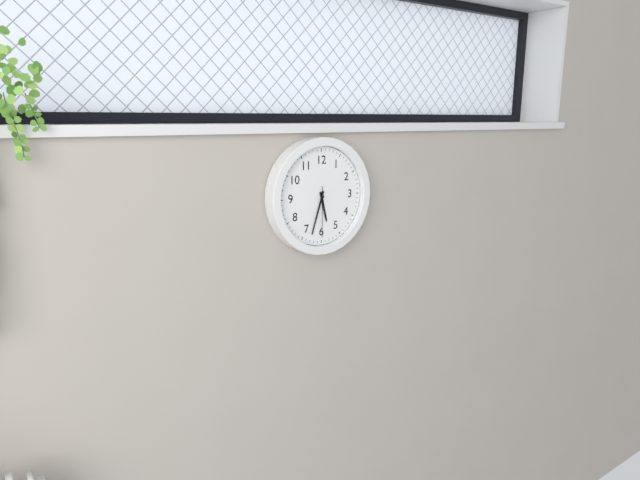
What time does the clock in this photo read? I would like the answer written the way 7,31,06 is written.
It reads 5,33,30
